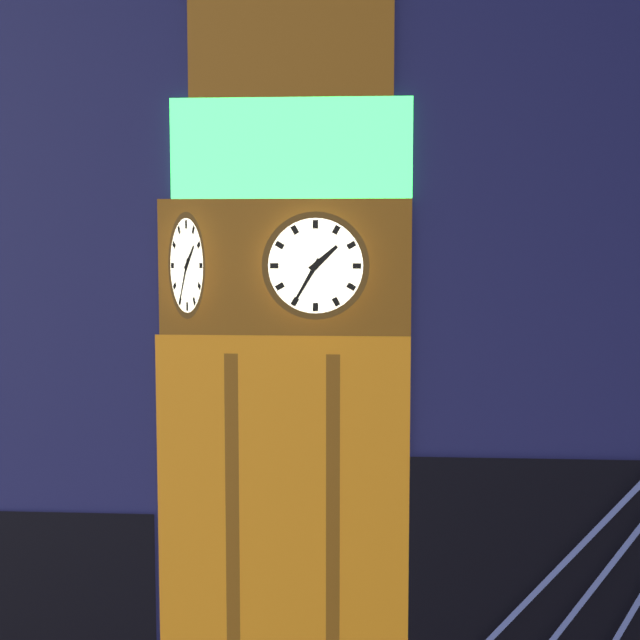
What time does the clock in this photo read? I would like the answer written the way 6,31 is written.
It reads 1,35
